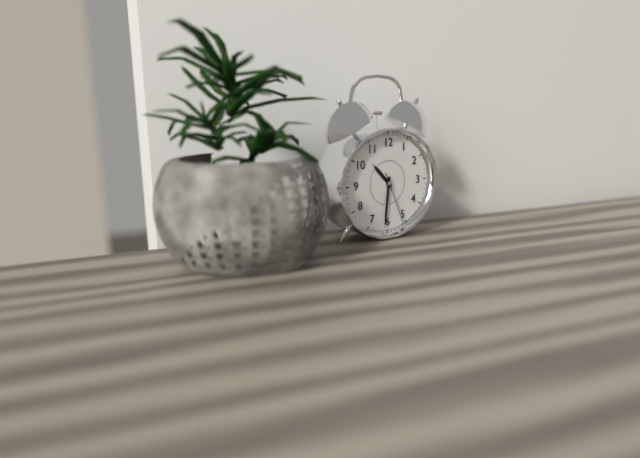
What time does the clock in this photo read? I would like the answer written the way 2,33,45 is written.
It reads 10,31,26
